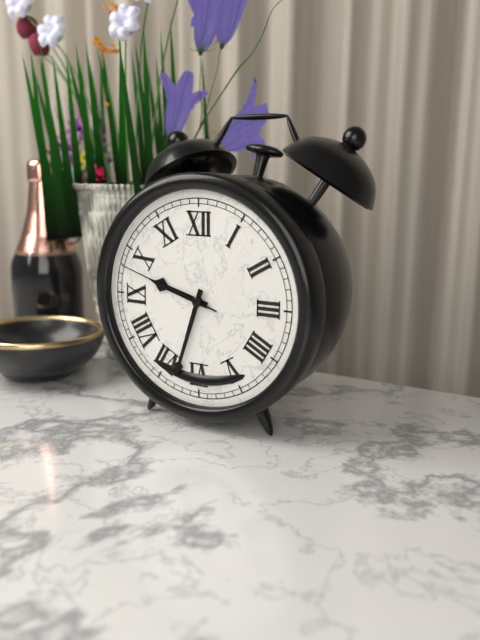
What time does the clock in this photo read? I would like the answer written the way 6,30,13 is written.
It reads 9,33,48
